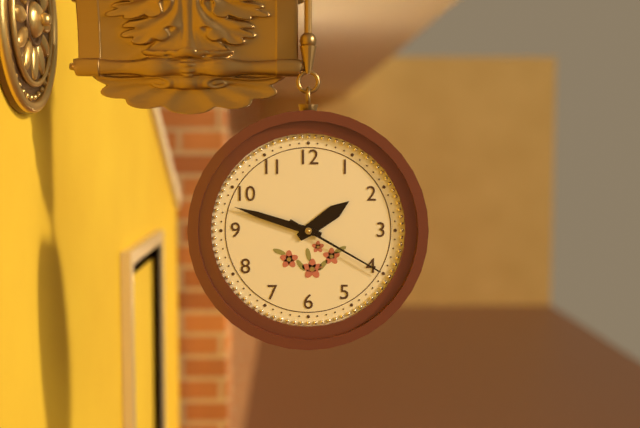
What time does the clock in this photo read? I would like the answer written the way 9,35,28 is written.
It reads 1,48,20
